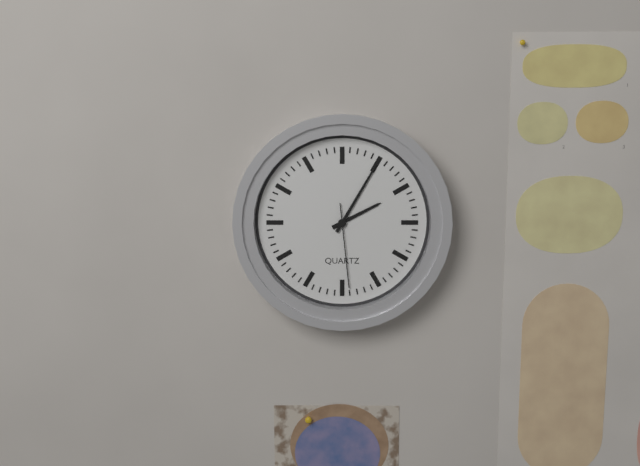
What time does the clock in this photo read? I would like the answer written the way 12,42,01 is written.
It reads 2,05,29
